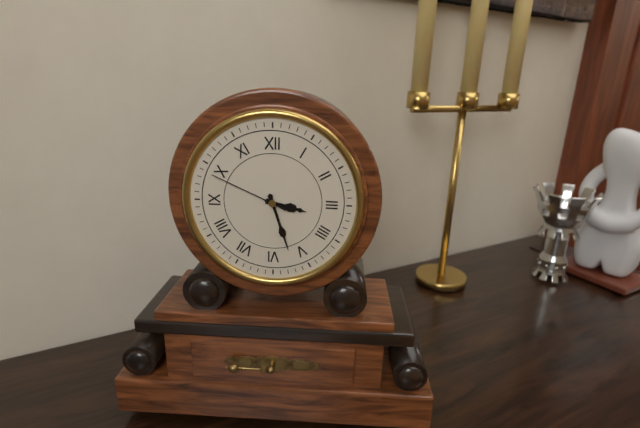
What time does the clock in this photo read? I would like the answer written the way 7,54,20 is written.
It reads 3,27,49
